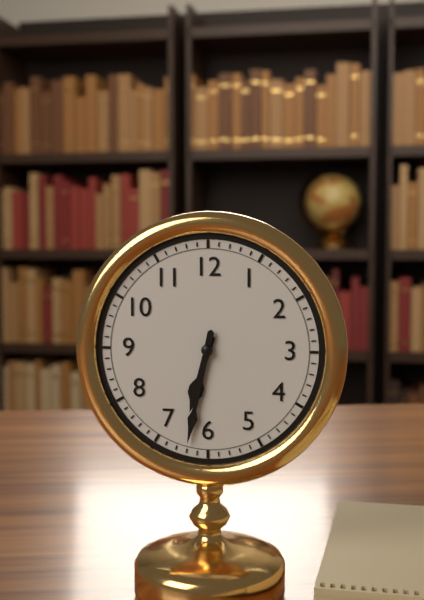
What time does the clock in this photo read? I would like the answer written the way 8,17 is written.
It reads 6,32
